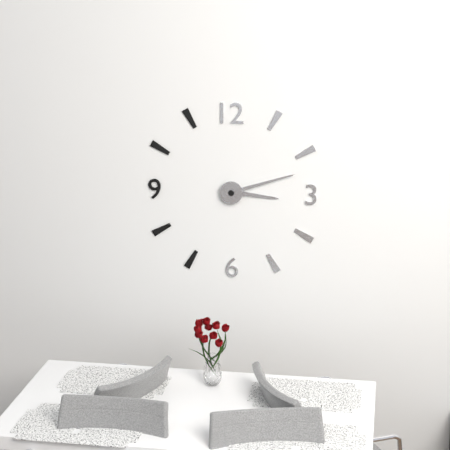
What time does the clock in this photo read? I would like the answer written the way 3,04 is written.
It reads 3,12
